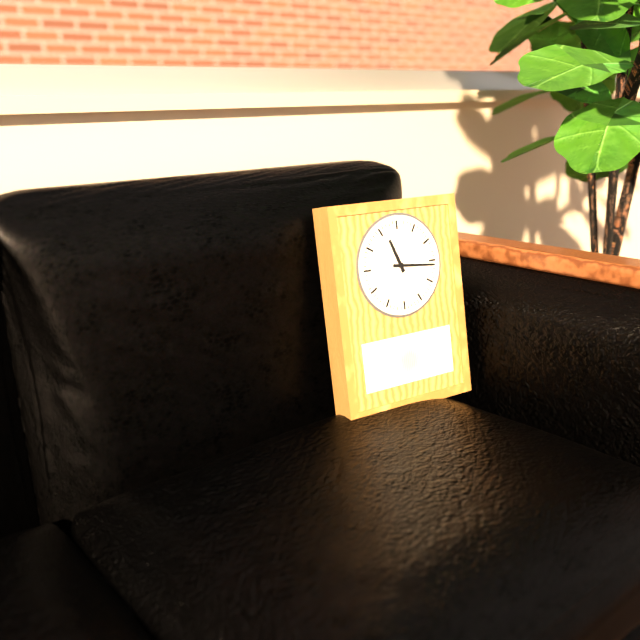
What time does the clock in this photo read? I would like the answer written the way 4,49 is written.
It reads 11,16
